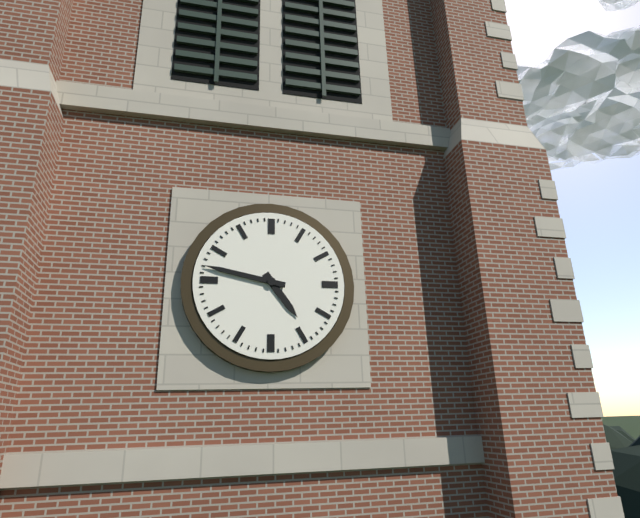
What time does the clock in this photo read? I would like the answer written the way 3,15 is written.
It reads 4,47
